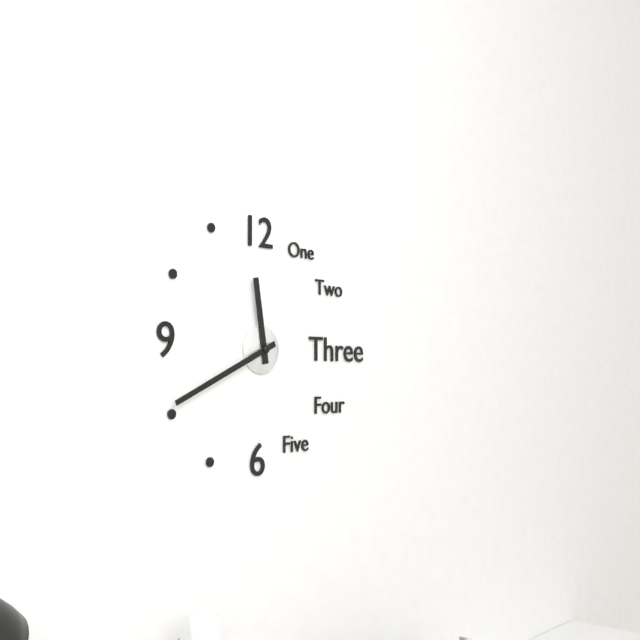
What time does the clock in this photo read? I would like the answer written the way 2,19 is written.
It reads 11,41
